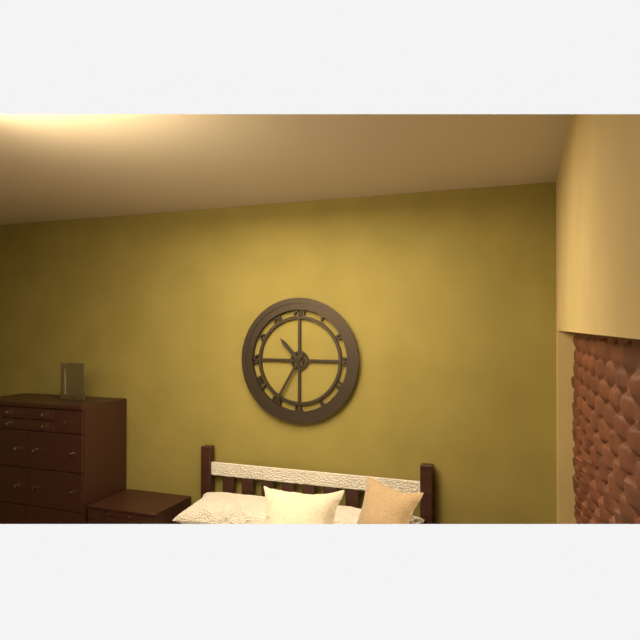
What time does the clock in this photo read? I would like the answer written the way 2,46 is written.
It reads 10,35
